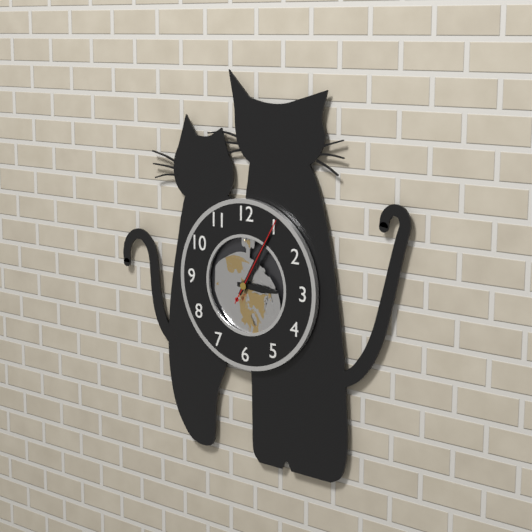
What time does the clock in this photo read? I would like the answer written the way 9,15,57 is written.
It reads 3,05,05
